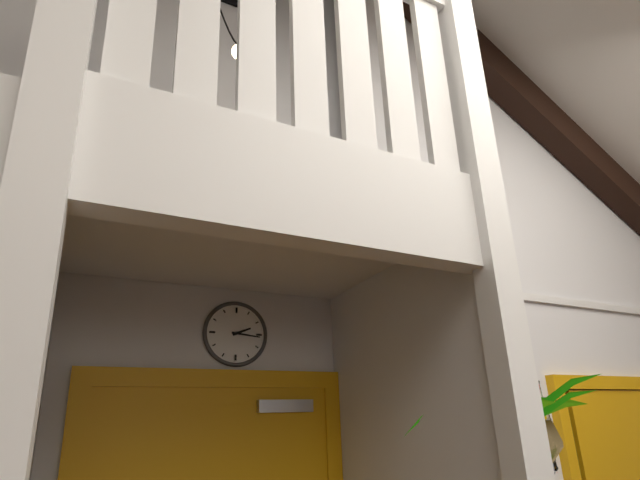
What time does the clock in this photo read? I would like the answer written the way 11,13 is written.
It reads 2,16
